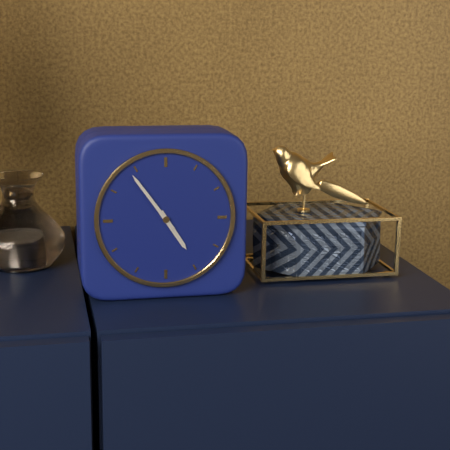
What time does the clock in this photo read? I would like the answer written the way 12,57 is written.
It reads 4,54
